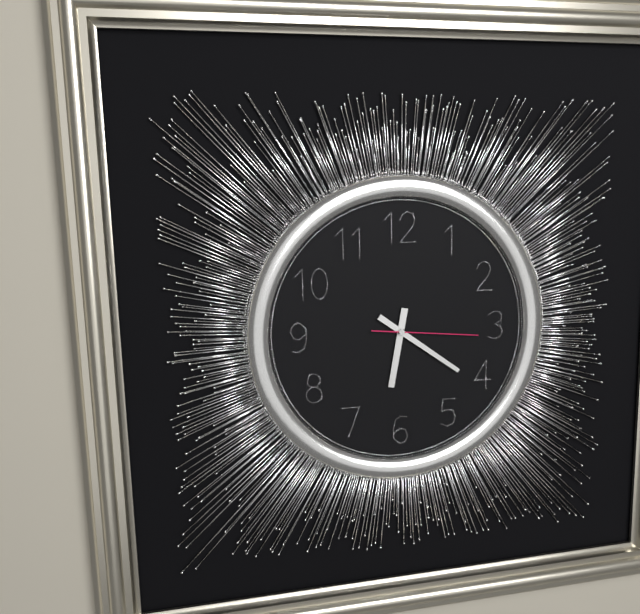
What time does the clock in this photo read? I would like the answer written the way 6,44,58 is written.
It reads 6,21,16
